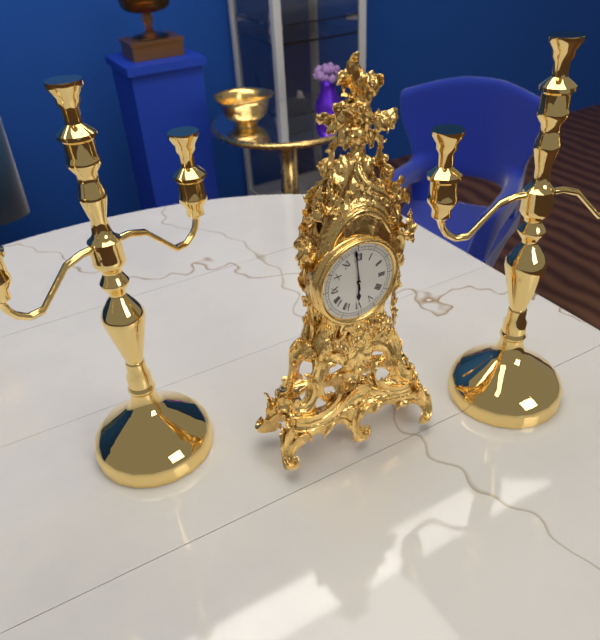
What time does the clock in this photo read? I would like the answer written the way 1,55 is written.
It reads 5,59
